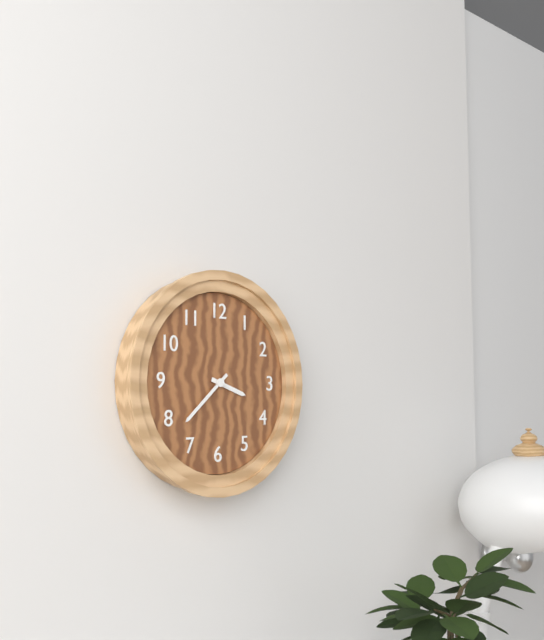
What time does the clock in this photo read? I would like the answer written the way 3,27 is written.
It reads 3,38
